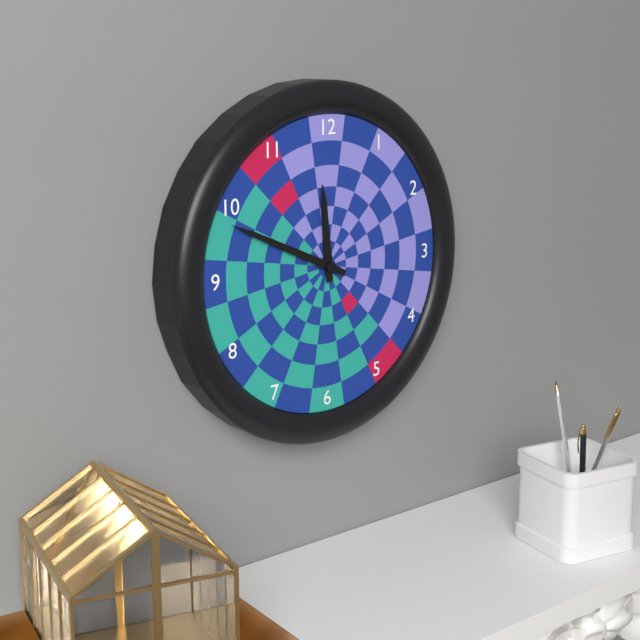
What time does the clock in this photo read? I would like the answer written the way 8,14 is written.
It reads 11,49
